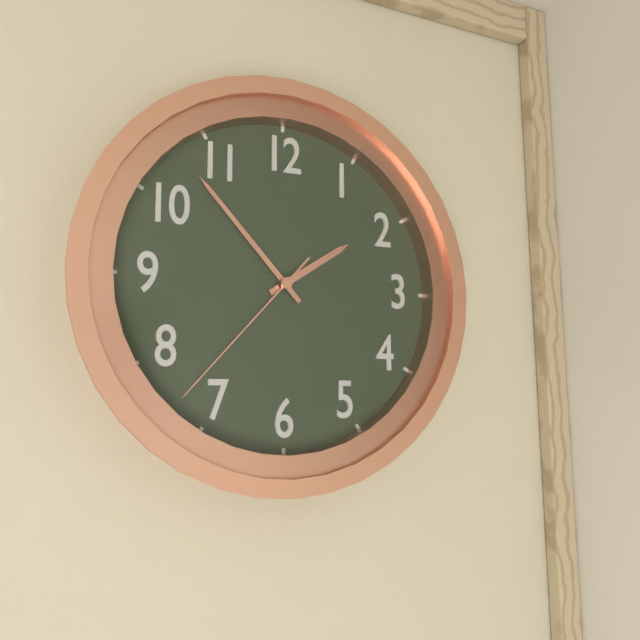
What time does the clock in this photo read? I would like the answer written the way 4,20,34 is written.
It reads 1,53,37
